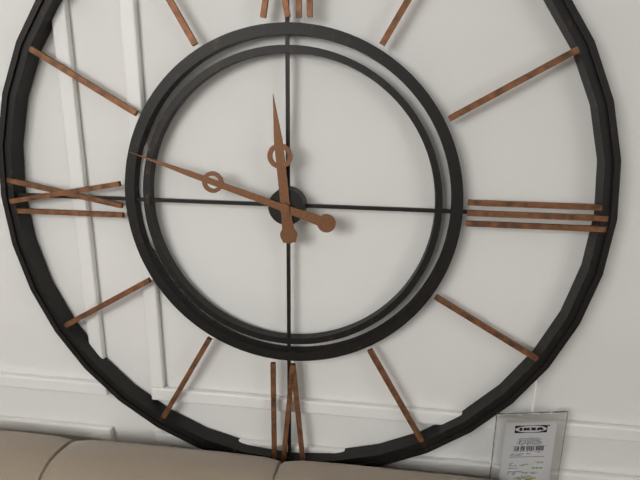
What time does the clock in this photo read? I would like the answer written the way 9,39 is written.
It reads 11,48
